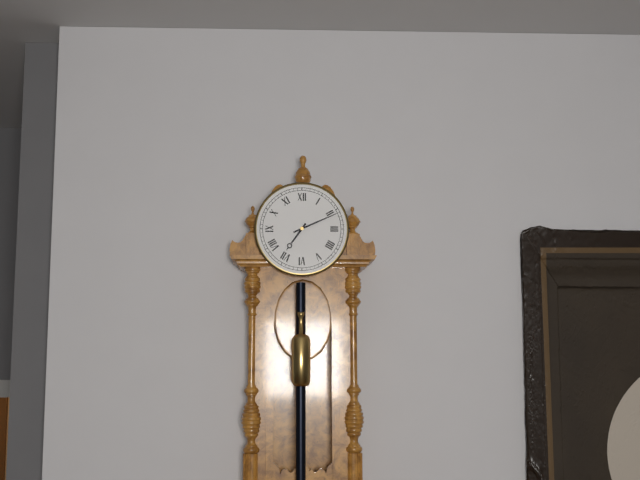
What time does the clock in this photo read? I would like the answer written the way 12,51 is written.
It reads 7,11
